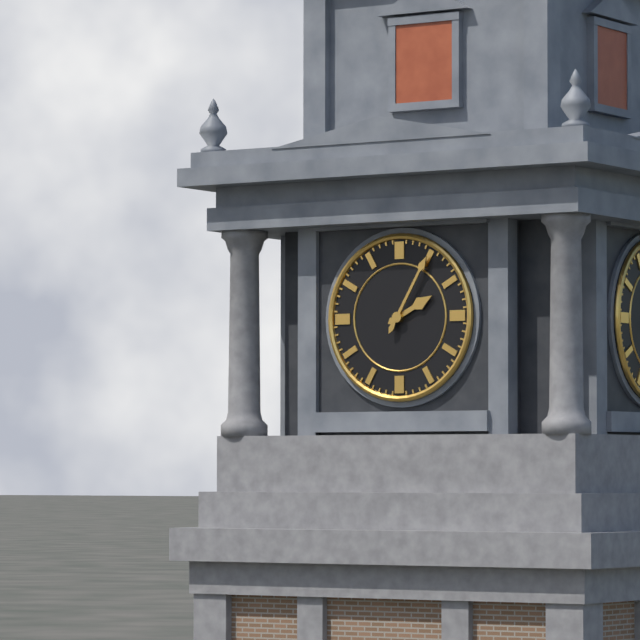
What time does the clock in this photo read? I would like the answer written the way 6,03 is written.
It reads 2,05
